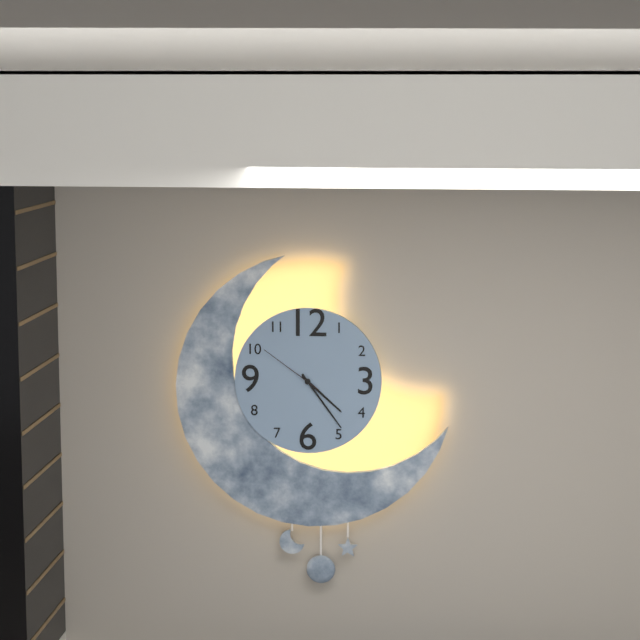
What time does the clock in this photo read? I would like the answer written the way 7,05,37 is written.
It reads 4,24,51
